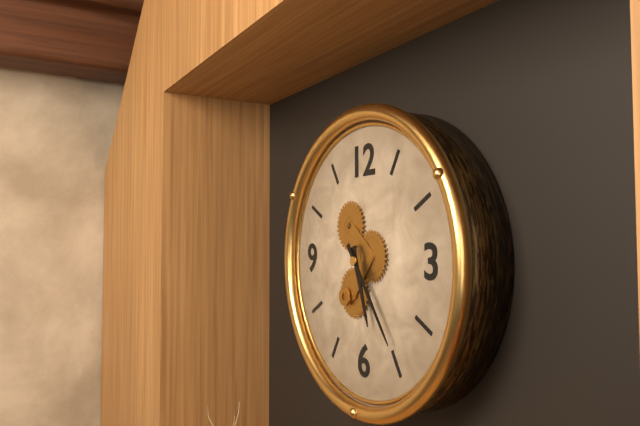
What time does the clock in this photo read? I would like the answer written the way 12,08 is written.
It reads 5,24
